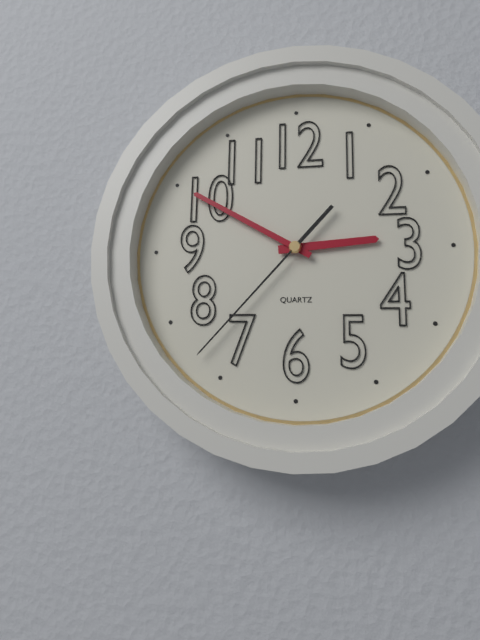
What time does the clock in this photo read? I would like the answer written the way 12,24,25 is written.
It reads 2,50,37
